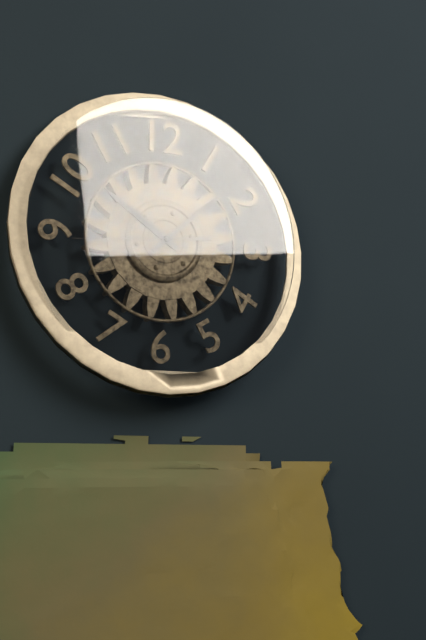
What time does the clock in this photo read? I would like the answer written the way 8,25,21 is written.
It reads 10,08,44
